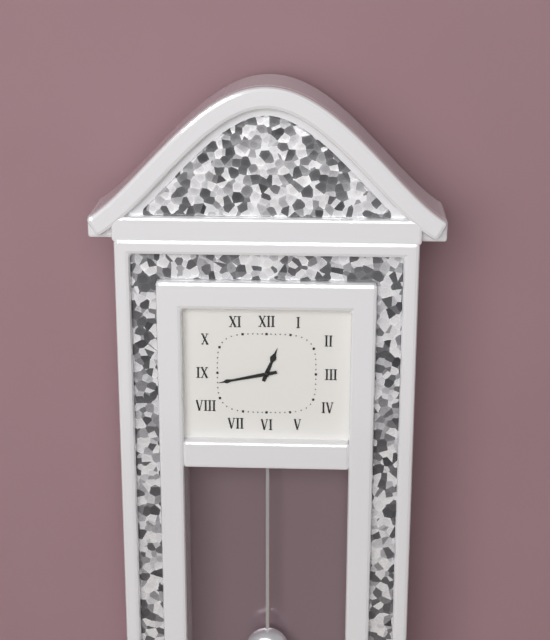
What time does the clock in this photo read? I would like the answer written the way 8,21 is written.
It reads 12,43
